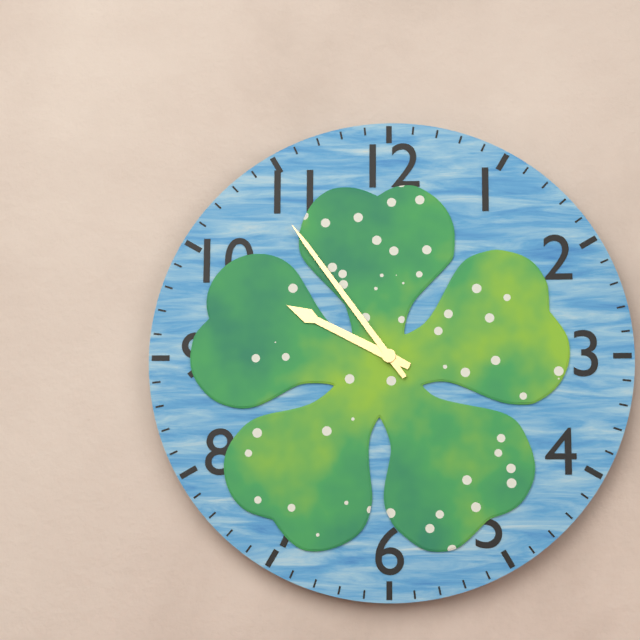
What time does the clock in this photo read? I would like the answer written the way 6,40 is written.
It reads 9,54
